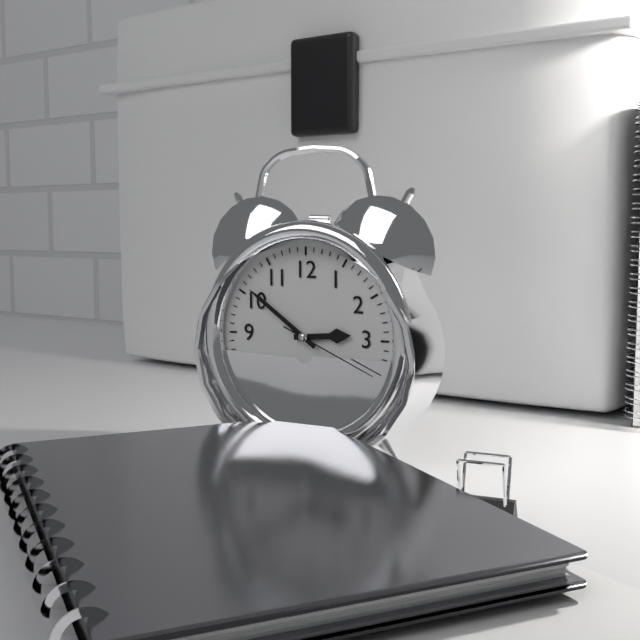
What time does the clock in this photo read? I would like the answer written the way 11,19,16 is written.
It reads 2,51,19
